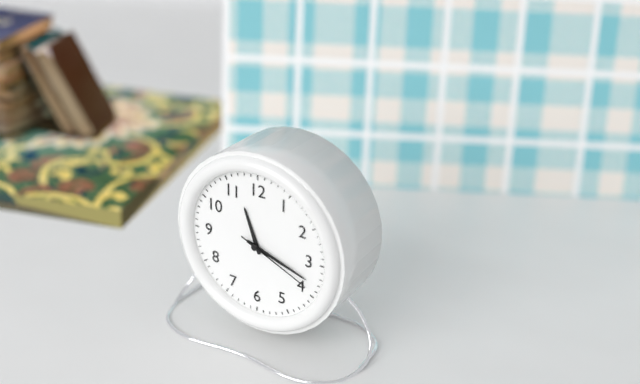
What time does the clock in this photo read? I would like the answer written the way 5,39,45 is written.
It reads 11,18,19
